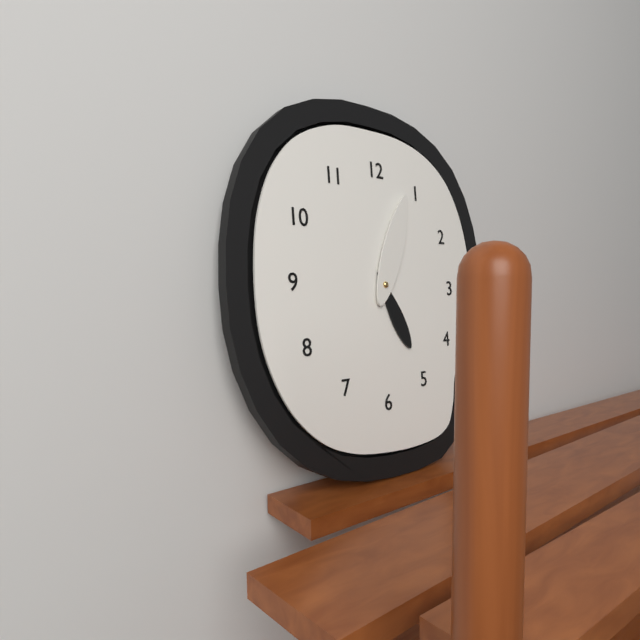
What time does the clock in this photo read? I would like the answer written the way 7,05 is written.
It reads 5,04
